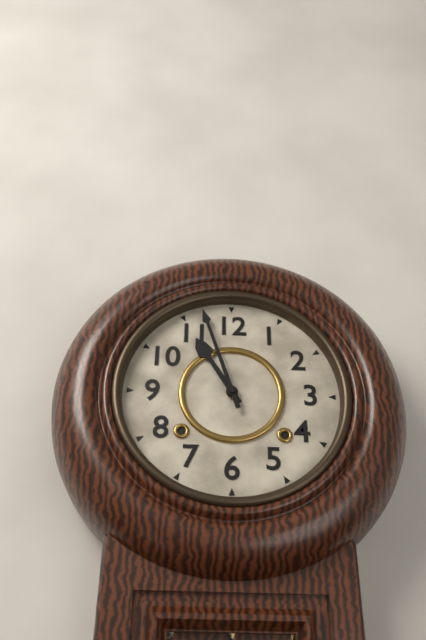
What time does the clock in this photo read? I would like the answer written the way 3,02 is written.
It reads 10,57
